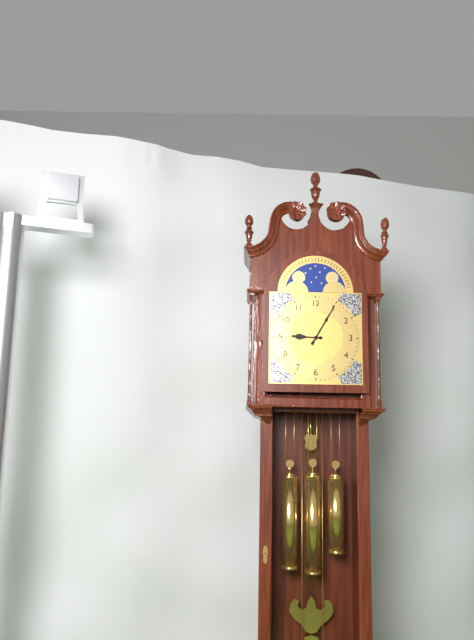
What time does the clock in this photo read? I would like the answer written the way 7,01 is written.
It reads 9,05
